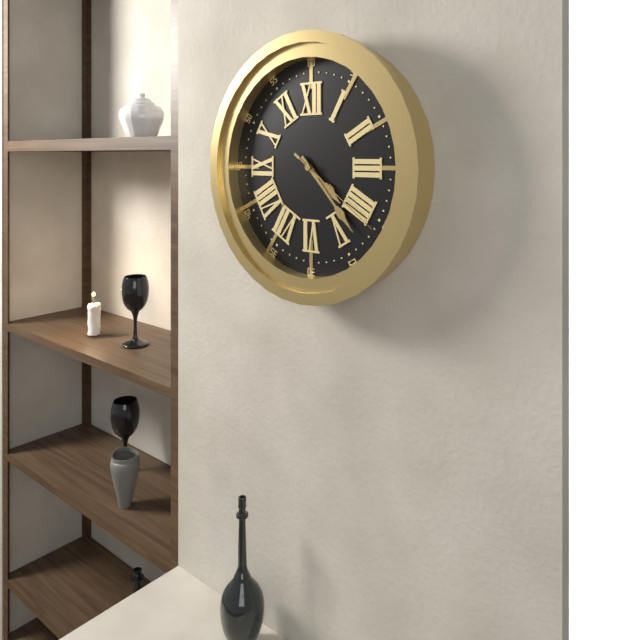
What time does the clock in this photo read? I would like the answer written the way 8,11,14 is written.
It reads 4,23,21
